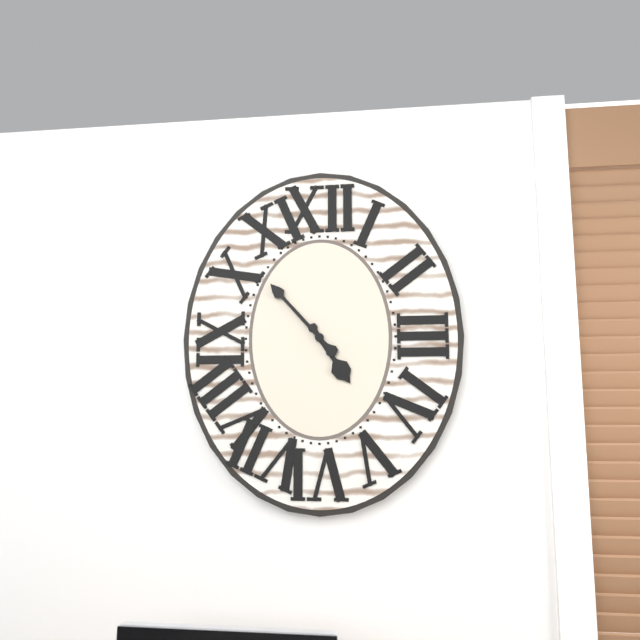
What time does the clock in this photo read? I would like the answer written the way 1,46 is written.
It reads 4,53
